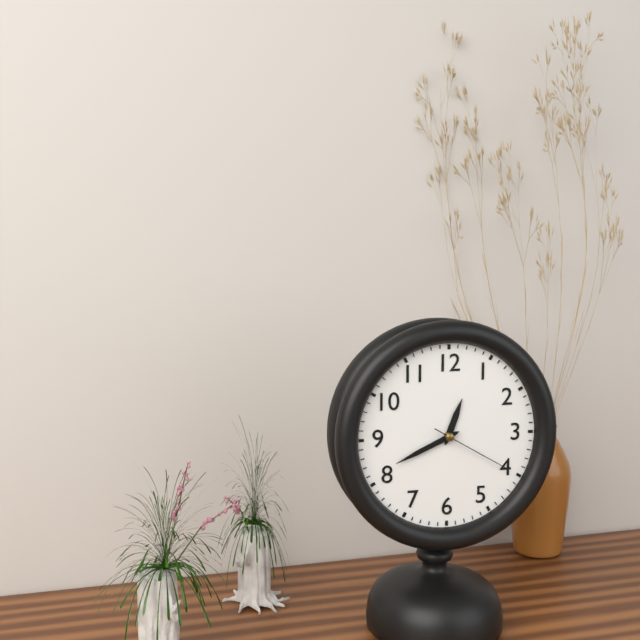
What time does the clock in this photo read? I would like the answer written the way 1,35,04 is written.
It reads 12,41,20
